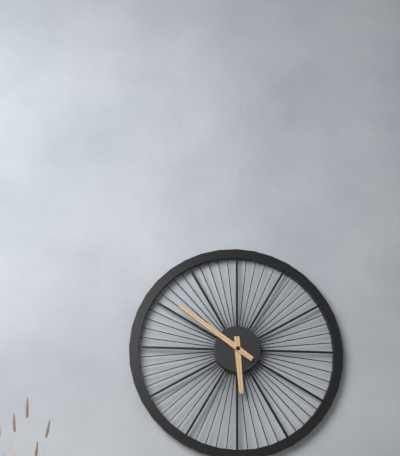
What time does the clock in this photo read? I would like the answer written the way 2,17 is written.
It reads 5,51
